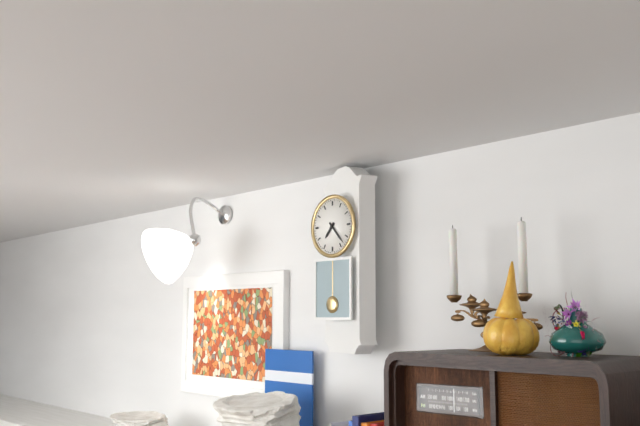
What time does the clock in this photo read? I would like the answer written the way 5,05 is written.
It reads 7,23
